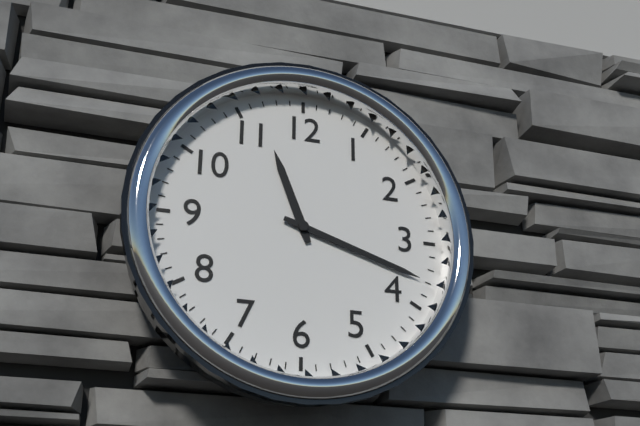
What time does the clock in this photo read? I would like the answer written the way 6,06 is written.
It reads 11,18
